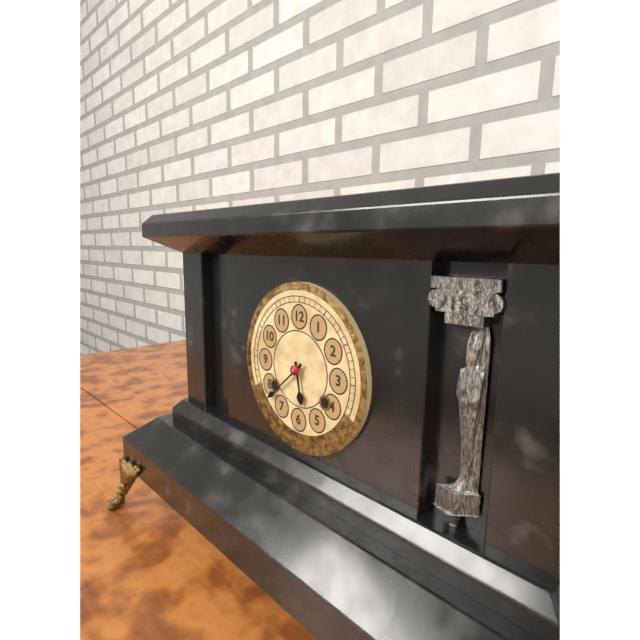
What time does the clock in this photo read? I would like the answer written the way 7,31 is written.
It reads 5,38
